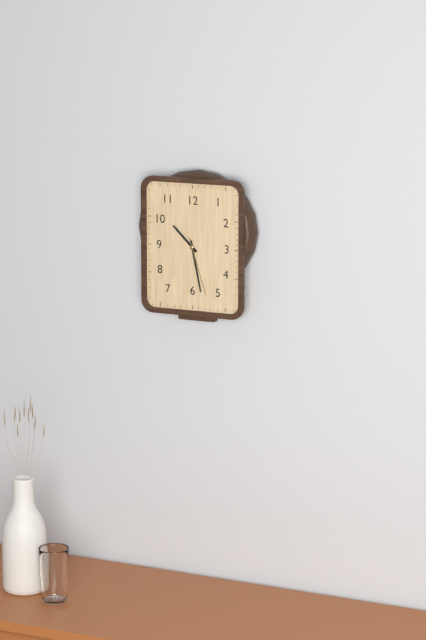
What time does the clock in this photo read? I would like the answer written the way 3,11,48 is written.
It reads 10,28,27
